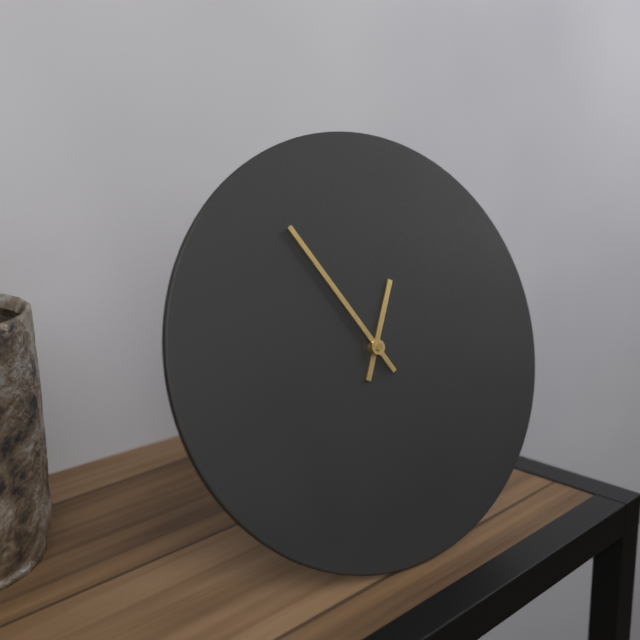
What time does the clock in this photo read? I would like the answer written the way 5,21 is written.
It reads 12,55
